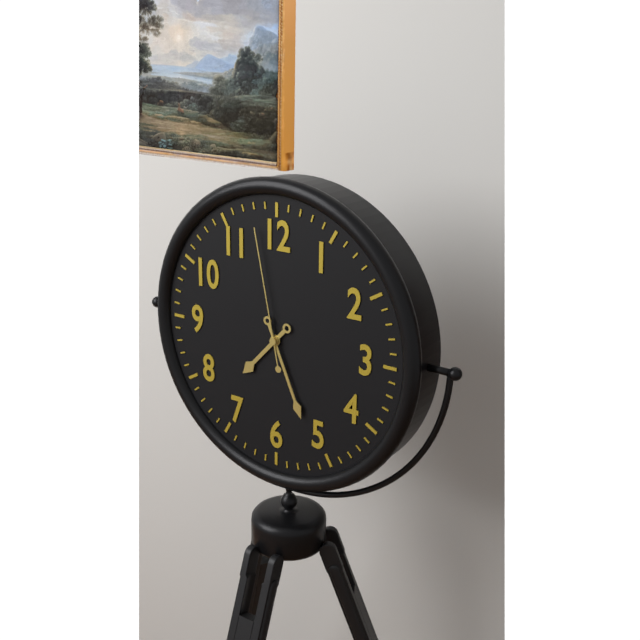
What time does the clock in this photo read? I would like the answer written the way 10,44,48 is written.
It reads 7,26,58
